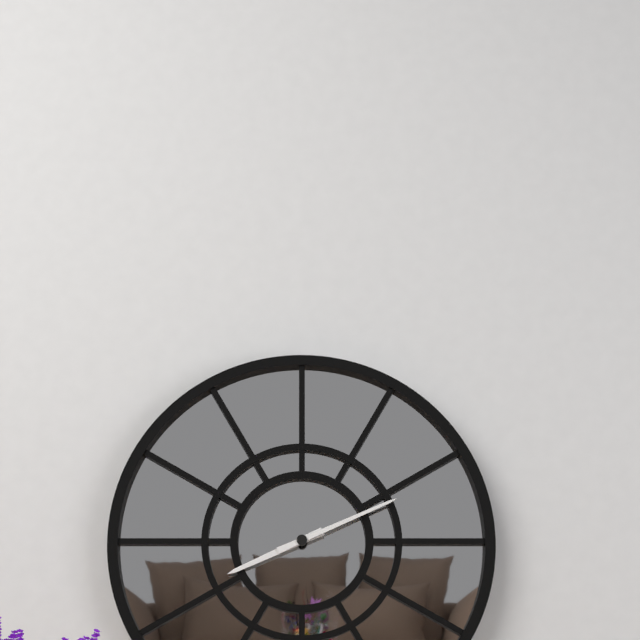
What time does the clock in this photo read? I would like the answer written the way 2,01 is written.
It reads 8,11
